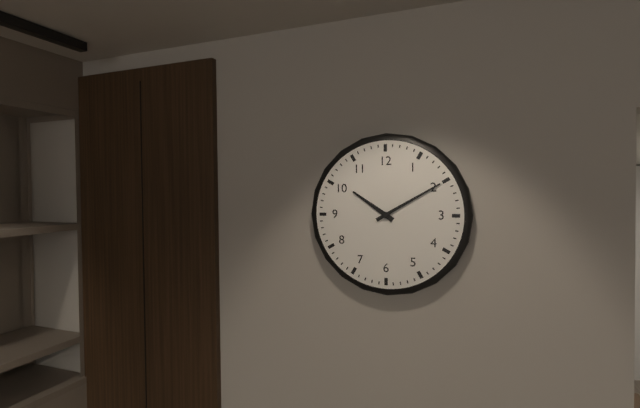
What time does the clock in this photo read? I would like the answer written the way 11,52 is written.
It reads 10,10
